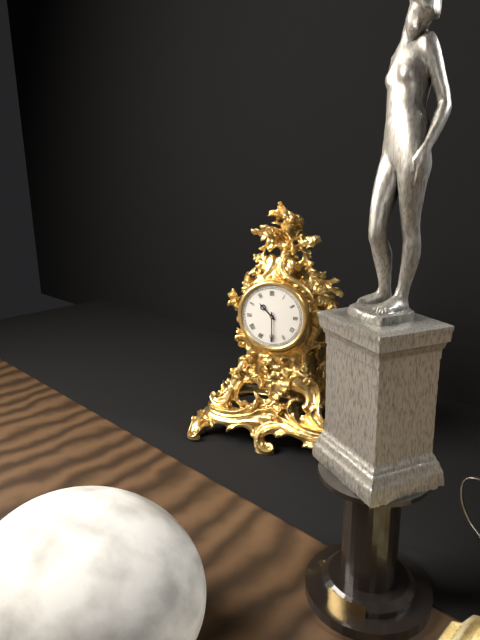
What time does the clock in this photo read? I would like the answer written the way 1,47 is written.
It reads 10,30
